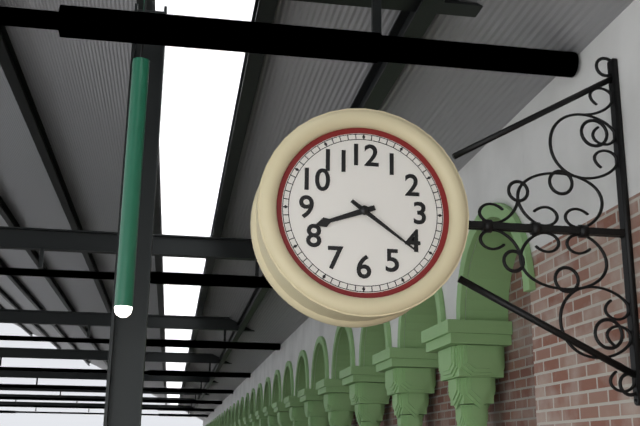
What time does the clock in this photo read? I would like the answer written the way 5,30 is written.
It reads 8,21
